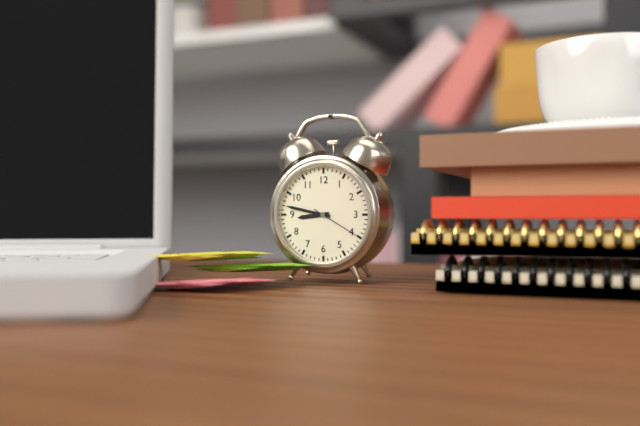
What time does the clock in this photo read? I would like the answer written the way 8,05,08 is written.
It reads 8,47,20
